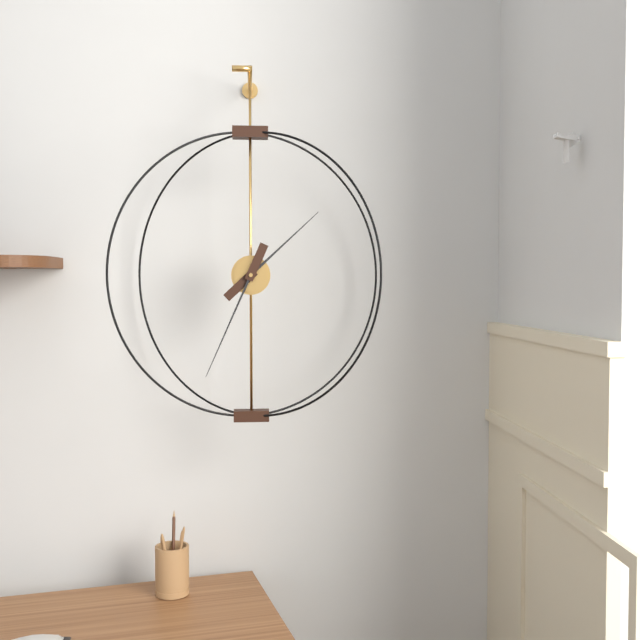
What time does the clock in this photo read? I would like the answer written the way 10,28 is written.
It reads 1,34
